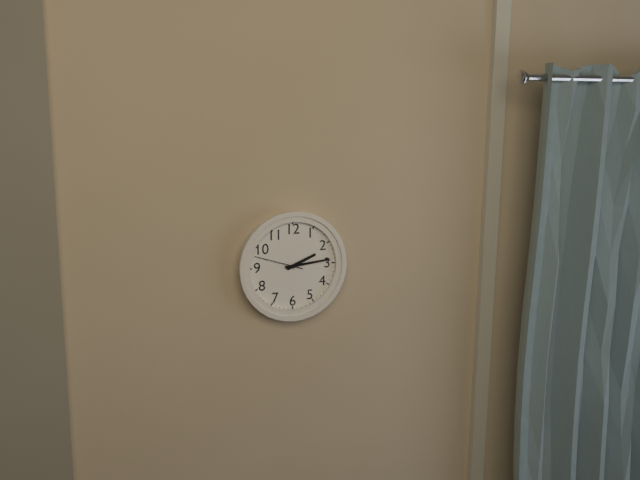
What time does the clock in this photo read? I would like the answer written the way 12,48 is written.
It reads 2,14
